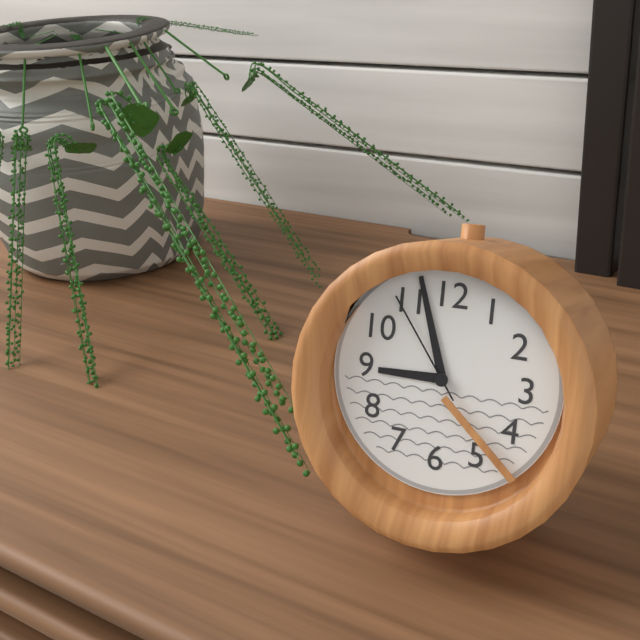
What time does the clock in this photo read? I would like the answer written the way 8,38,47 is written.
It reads 8,57,54
